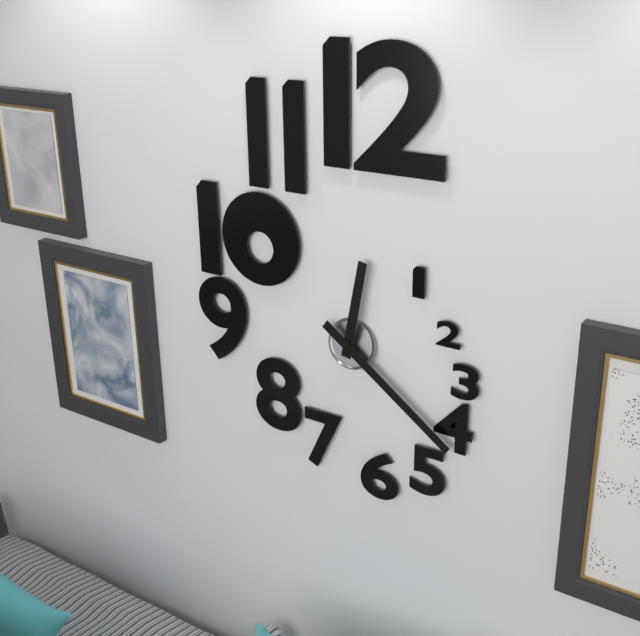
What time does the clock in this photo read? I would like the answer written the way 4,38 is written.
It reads 12,21
